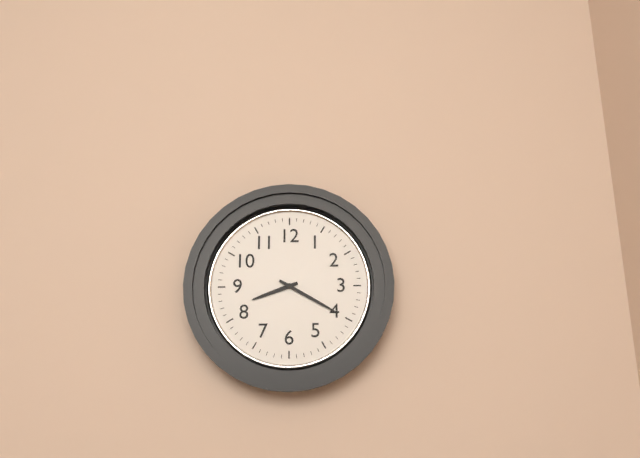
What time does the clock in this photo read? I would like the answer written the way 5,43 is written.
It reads 8,20
